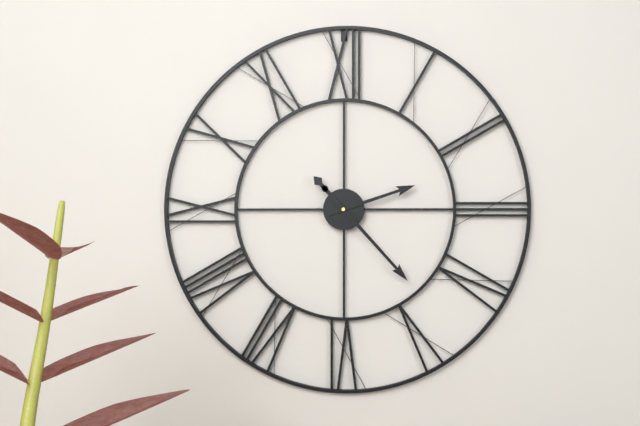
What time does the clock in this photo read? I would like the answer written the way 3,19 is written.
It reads 2,23
